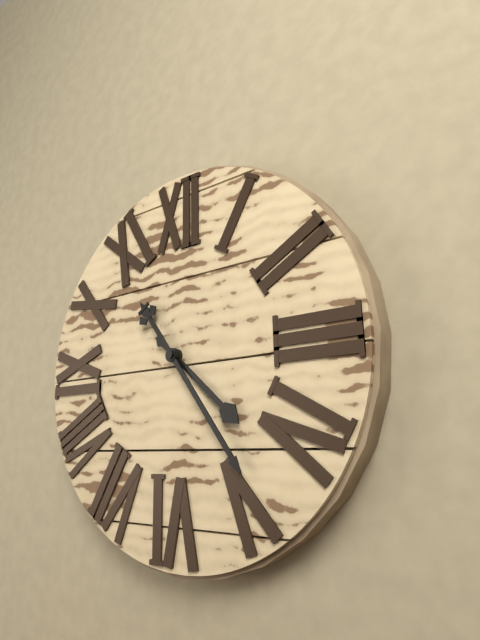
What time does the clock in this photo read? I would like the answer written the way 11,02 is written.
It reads 4,24
